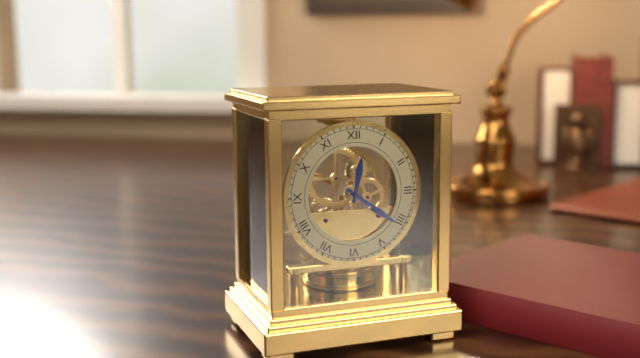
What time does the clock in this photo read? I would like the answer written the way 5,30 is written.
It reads 12,21
